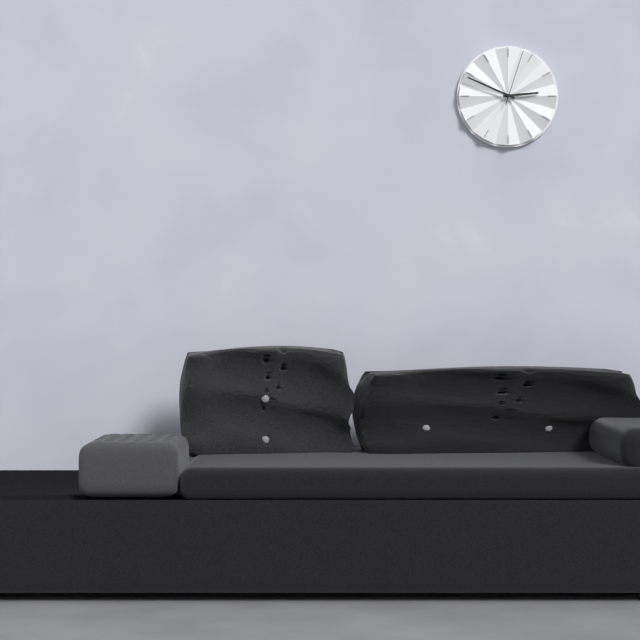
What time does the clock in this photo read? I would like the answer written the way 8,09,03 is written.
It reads 2,49,03
